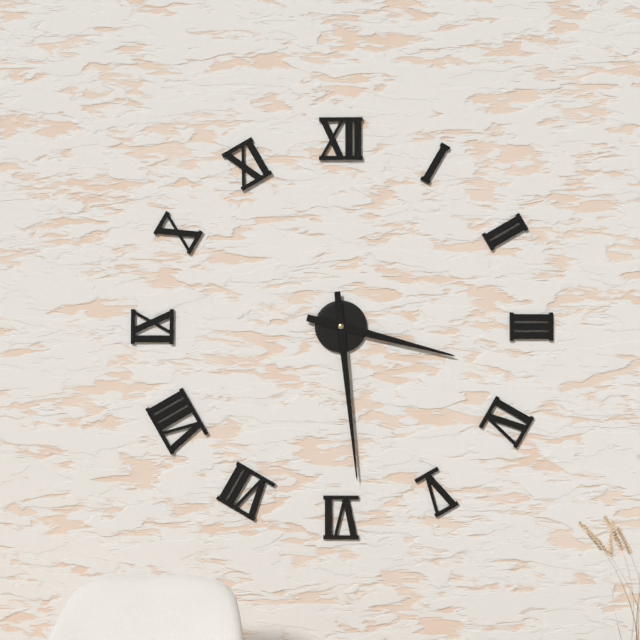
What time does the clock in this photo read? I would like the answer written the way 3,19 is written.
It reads 3,29
